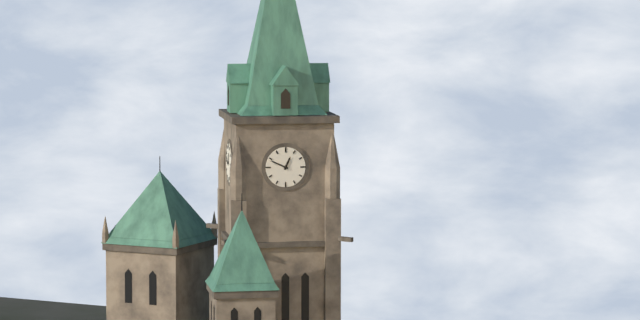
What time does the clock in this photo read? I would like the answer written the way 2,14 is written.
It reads 12,49
